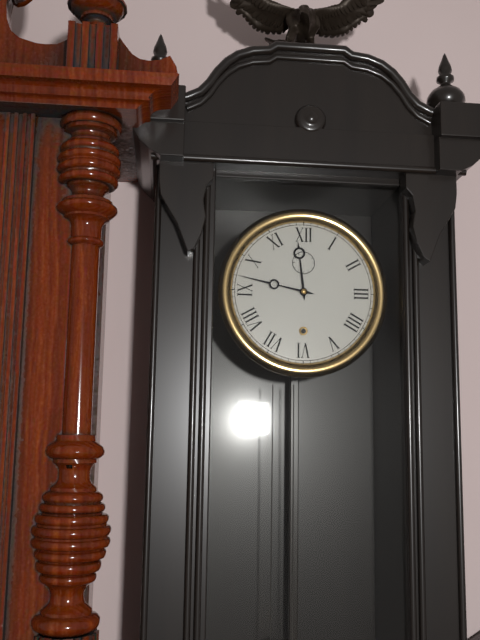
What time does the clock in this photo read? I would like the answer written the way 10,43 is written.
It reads 11,47
